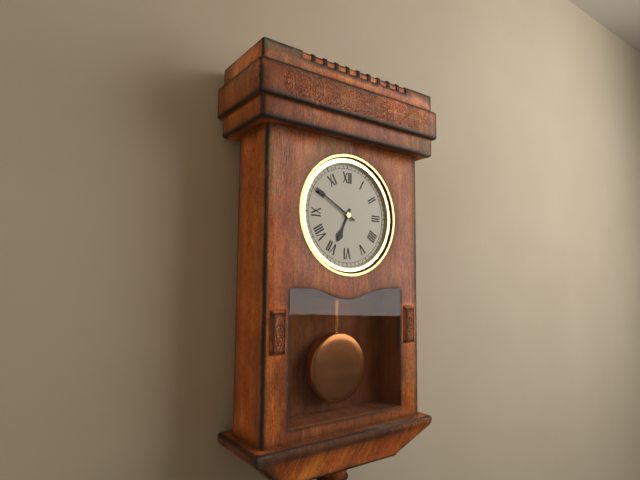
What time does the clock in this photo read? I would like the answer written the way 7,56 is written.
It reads 6,50
